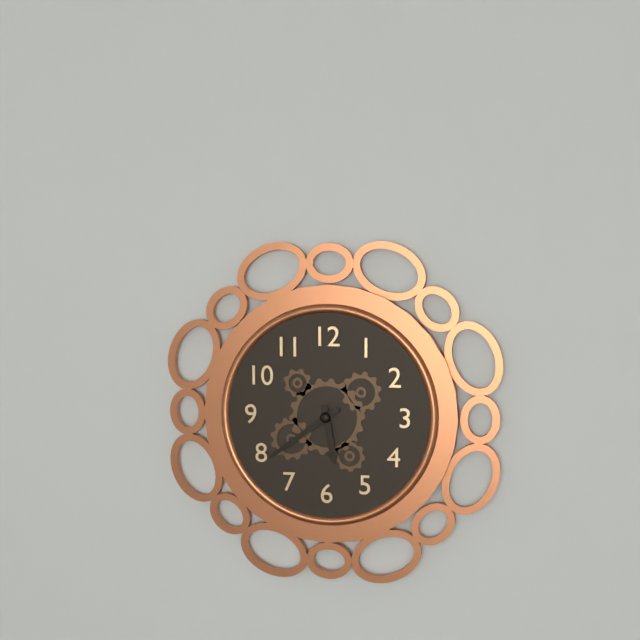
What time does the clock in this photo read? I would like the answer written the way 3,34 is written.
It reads 5,39
